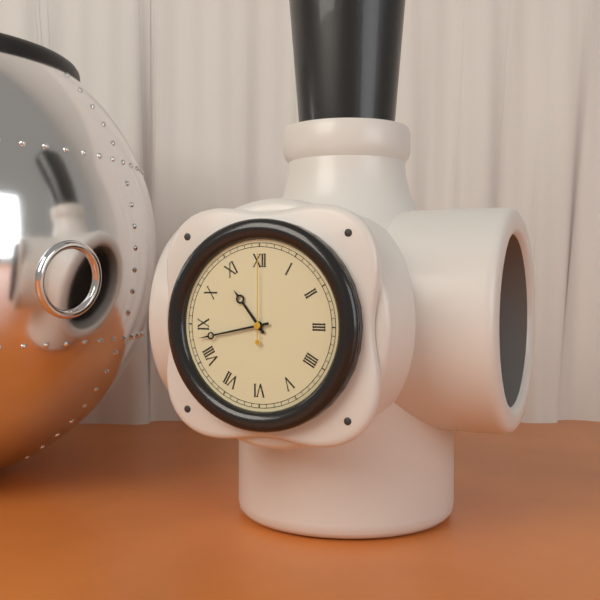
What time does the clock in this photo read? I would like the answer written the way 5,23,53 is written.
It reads 10,43,00
